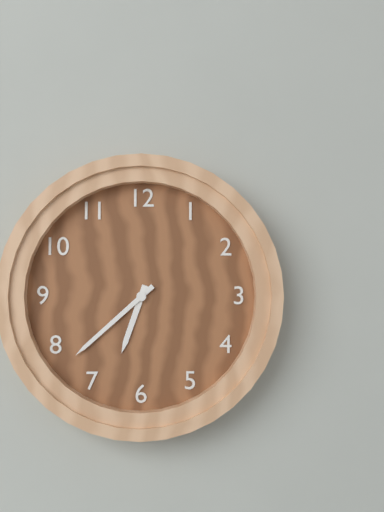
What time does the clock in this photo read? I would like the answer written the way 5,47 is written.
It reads 6,38
